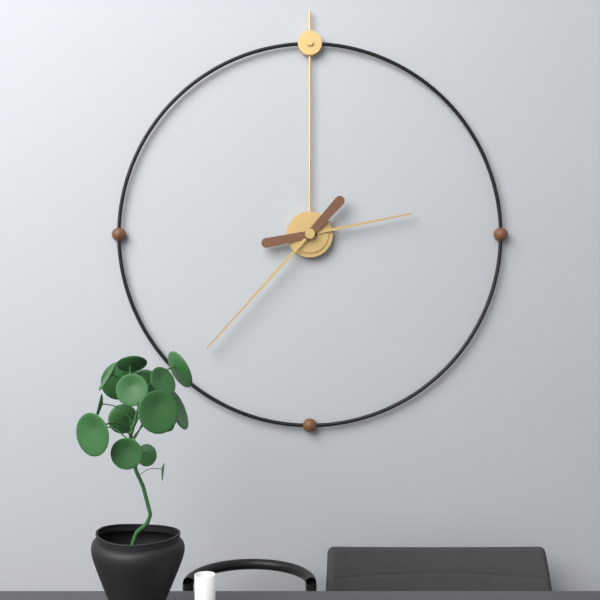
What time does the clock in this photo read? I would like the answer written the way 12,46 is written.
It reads 2,37
